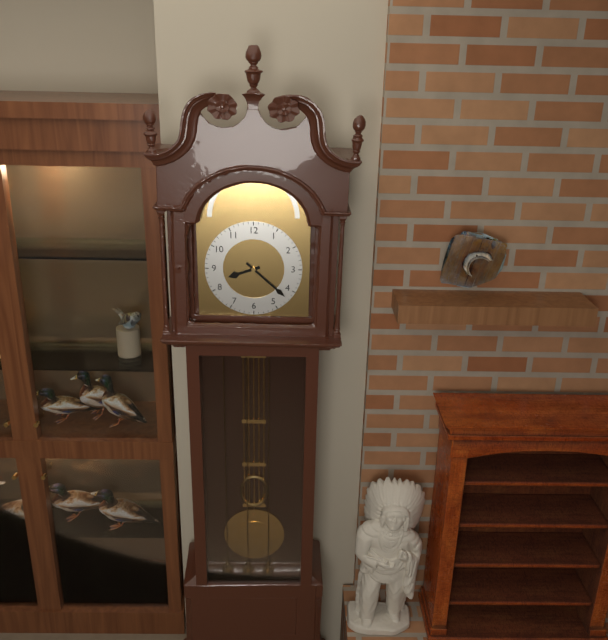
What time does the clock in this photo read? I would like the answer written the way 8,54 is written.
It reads 8,22
